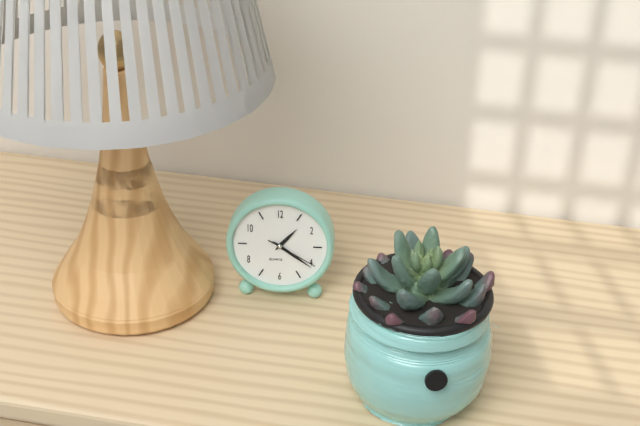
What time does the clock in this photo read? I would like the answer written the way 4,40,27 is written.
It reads 1,21,20
